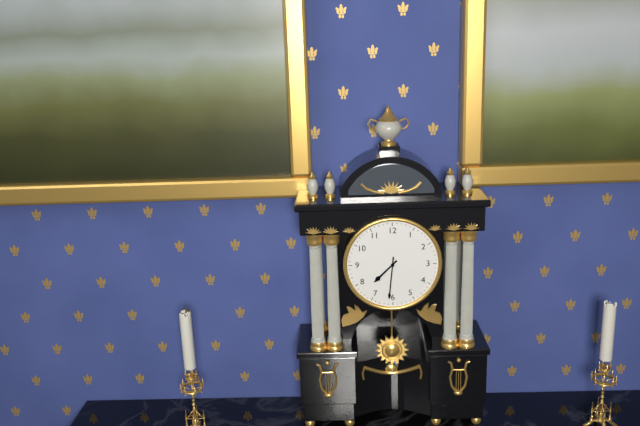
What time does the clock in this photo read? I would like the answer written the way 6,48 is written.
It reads 7,31
